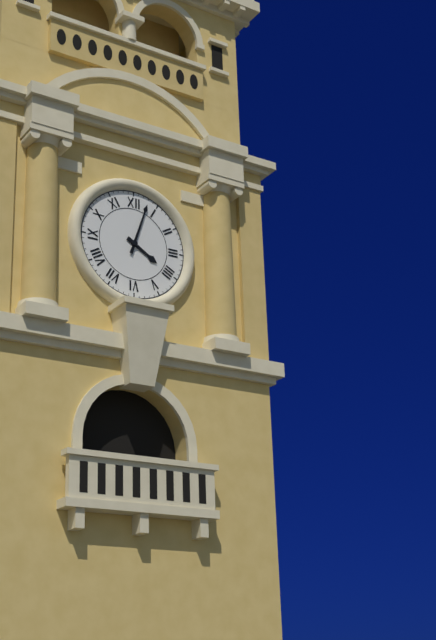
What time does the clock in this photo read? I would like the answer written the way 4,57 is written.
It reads 4,03
